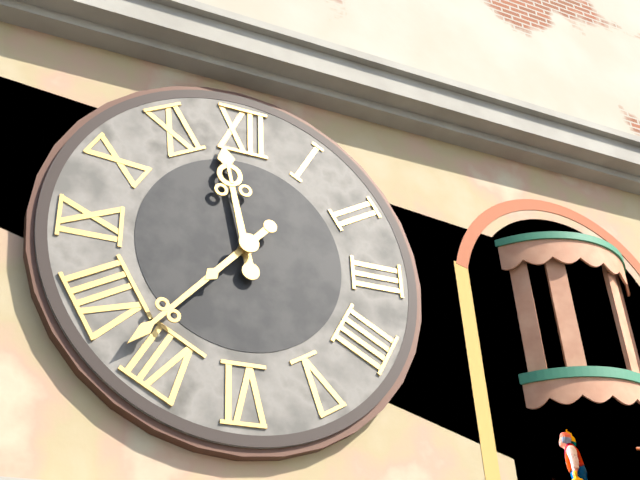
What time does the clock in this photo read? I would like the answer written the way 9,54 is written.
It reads 11,37
